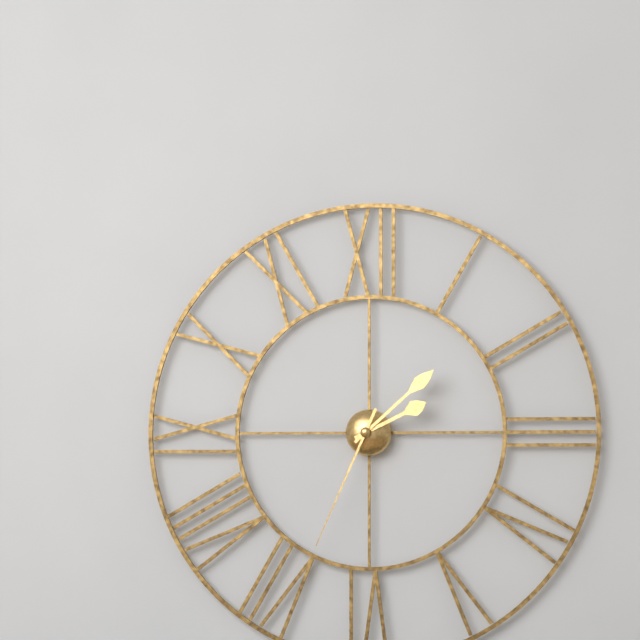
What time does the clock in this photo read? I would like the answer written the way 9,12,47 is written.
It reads 2,08,34
